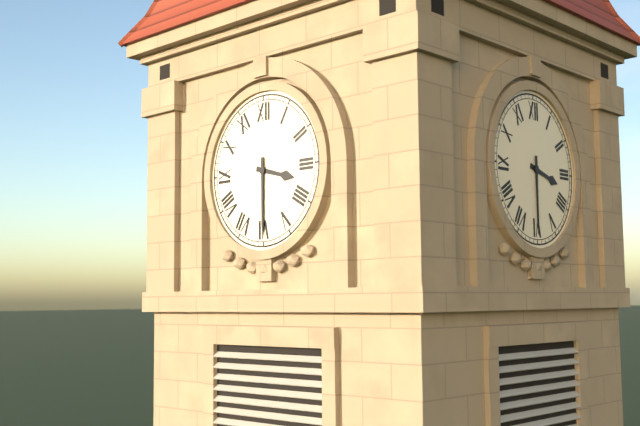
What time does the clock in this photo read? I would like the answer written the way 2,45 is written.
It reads 3,30
